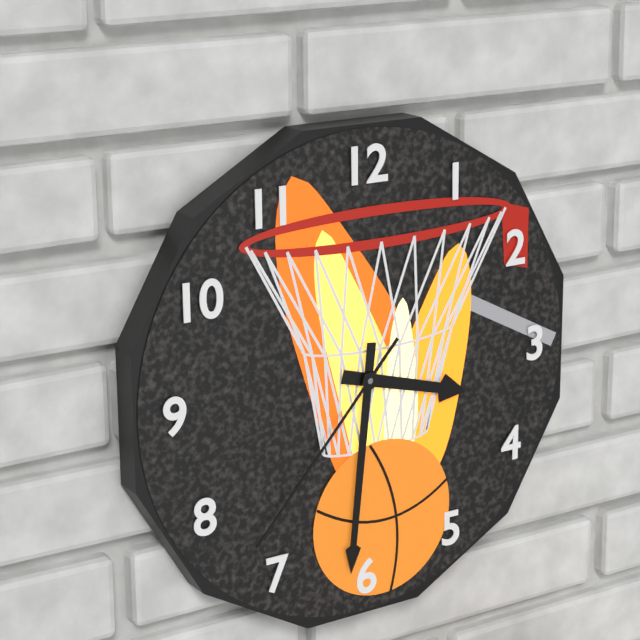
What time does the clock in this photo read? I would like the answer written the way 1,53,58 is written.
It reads 3,31,37
